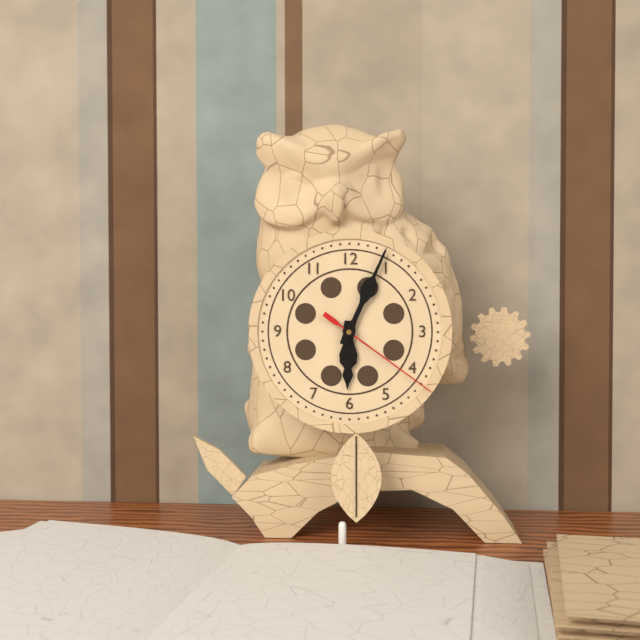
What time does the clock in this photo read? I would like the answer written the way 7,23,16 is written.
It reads 6,04,21
